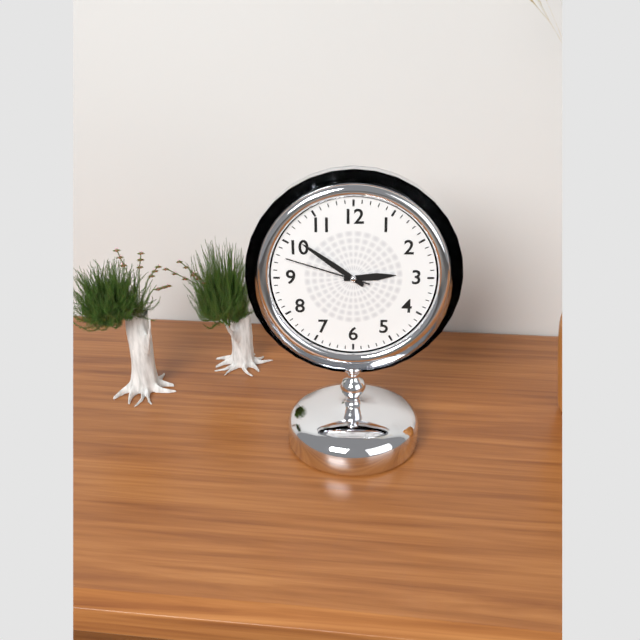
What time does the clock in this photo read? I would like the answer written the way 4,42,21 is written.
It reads 2,51,48
